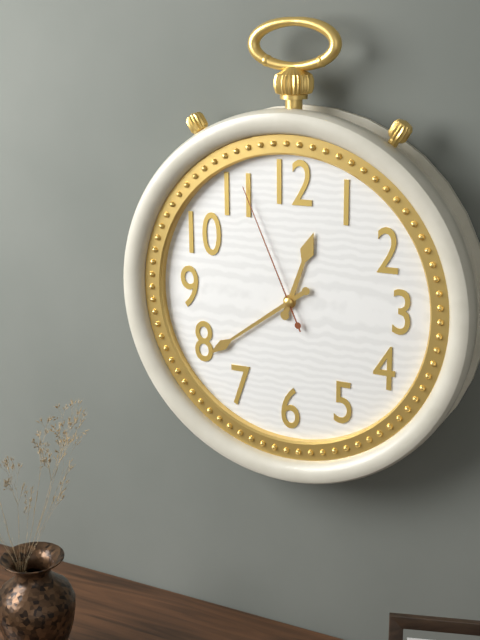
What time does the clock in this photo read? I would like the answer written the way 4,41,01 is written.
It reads 12,39,56
